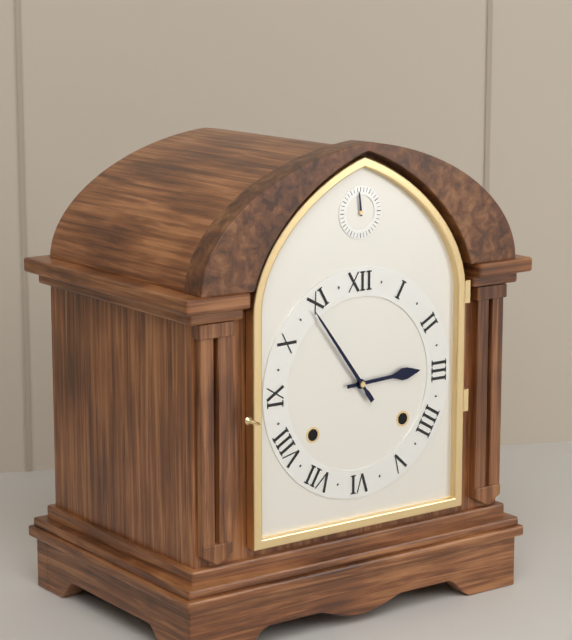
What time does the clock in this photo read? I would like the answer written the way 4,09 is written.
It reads 2,54
